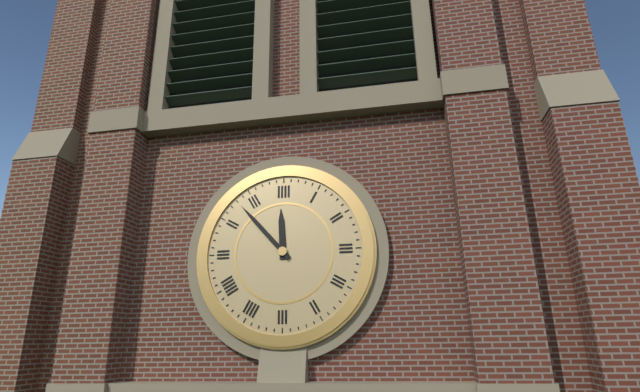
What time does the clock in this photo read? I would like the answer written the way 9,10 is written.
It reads 11,53
